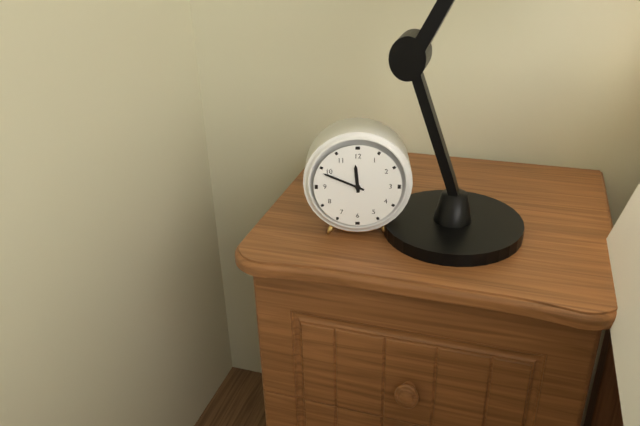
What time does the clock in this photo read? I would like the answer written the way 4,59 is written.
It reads 11,49
